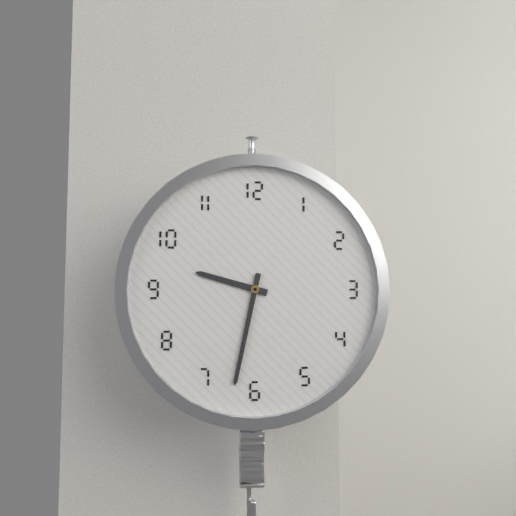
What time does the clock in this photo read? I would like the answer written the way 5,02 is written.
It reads 9,32
